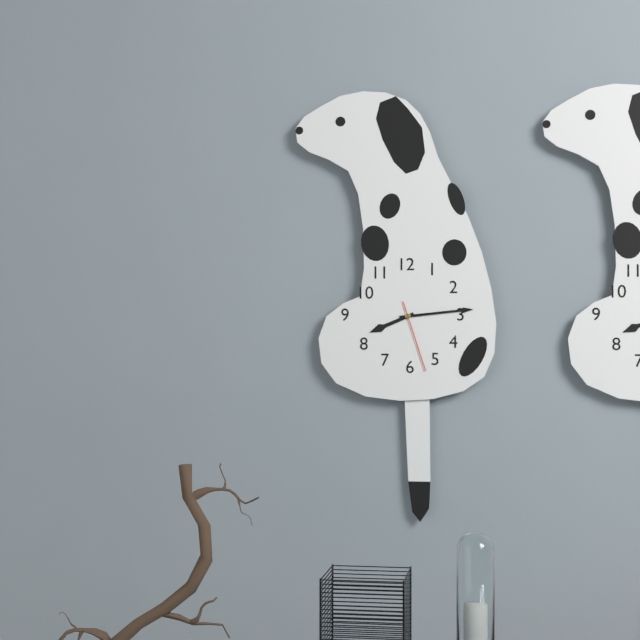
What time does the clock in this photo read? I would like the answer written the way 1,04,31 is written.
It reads 8,14,27
